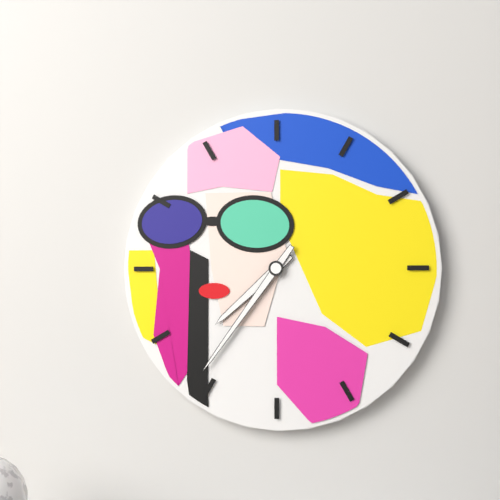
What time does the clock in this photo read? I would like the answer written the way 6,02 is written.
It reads 7,36
